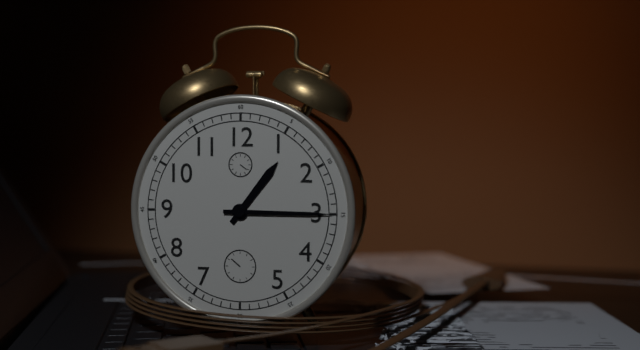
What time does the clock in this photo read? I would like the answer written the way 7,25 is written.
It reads 1,15
